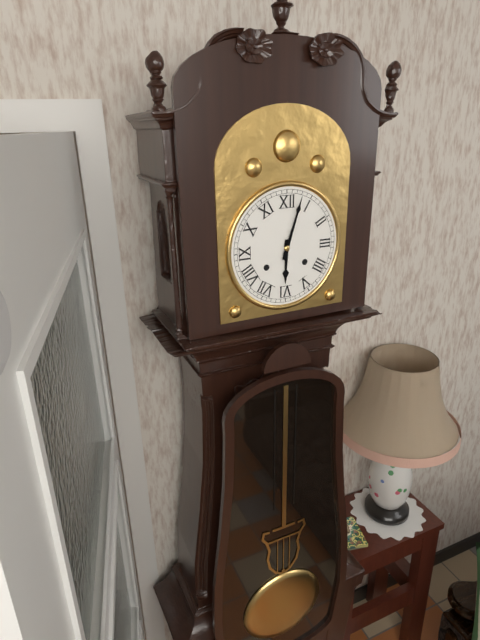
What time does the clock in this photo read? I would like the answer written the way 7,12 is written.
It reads 6,03
